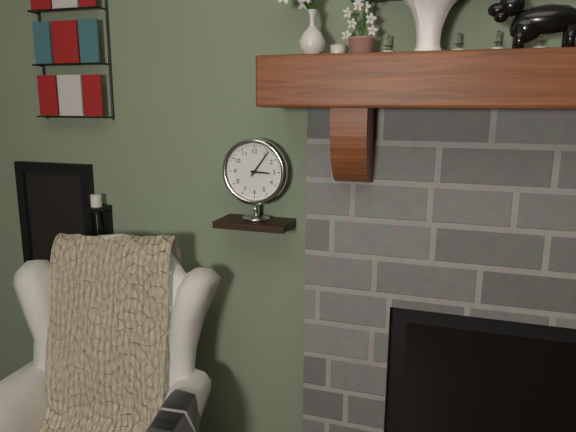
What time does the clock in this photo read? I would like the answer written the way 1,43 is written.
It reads 3,06
